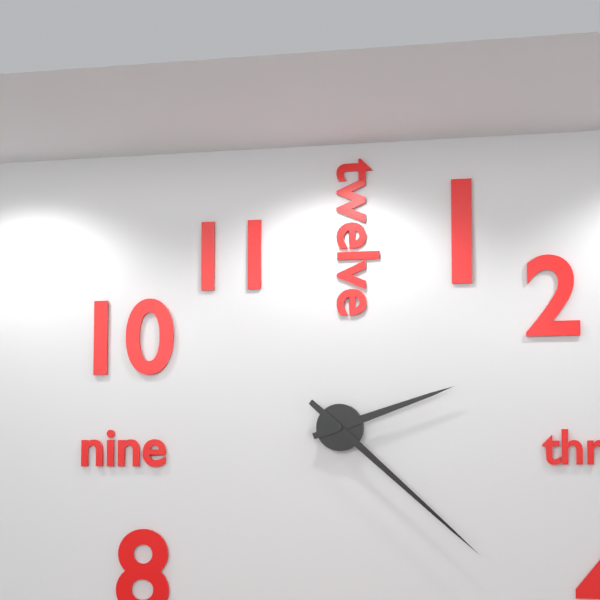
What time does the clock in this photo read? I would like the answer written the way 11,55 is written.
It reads 2,22
